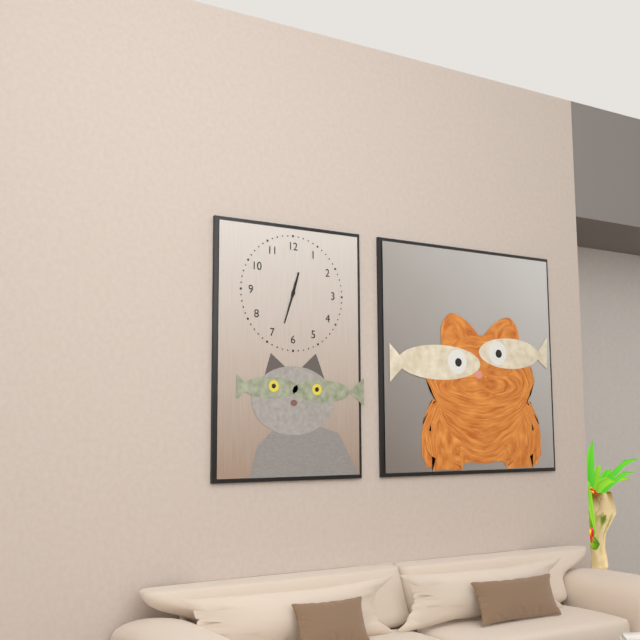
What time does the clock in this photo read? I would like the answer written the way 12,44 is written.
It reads 12,33
